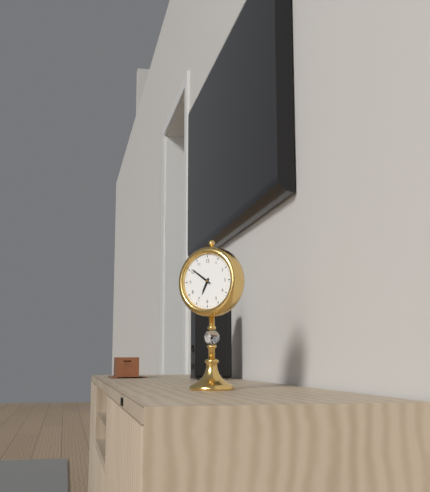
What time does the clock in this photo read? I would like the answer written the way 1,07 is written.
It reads 6,51
